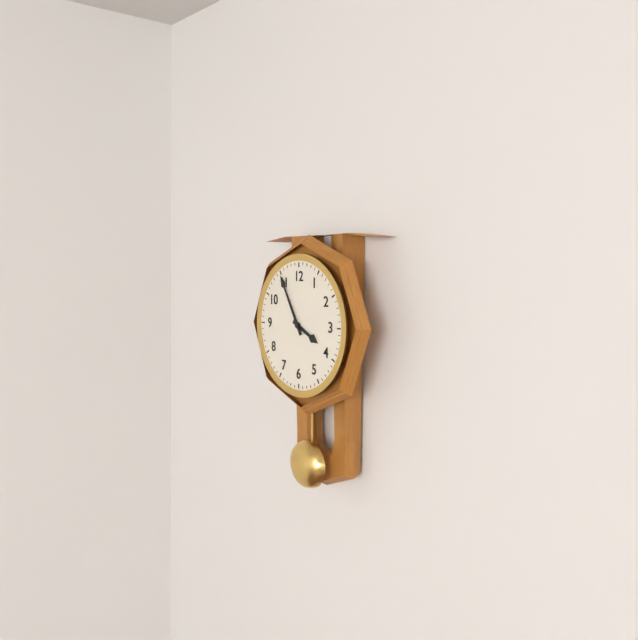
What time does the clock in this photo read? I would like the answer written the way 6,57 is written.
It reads 3,55
